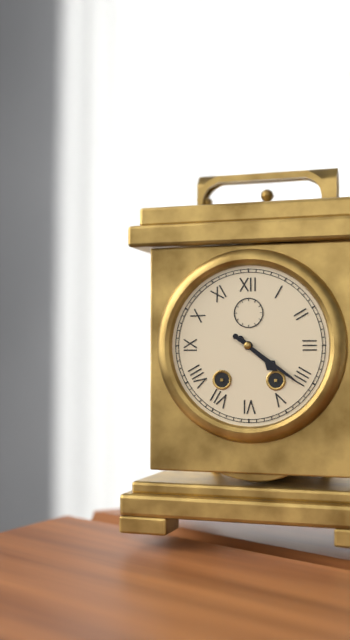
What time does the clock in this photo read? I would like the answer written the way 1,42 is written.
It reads 4,21
